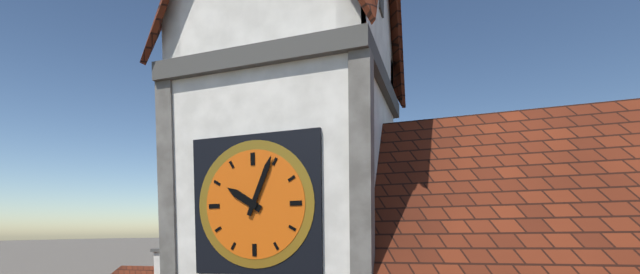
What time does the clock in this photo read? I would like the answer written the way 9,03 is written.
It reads 10,04
